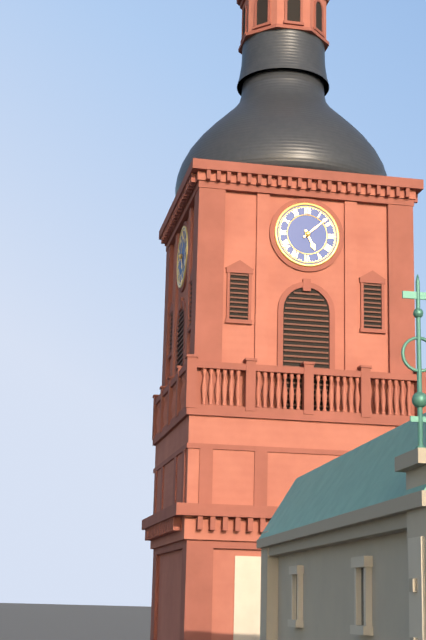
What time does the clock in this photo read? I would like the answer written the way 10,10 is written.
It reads 5,08
